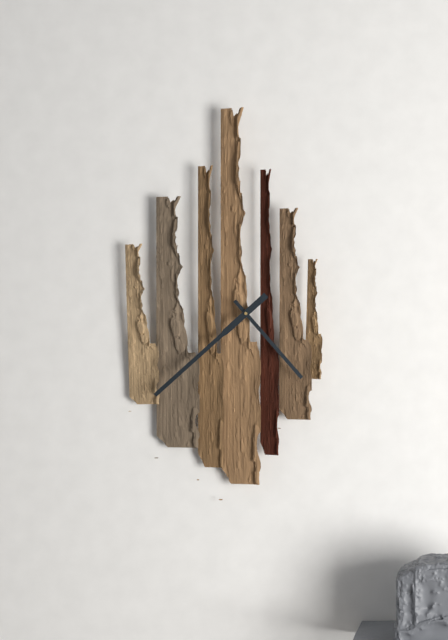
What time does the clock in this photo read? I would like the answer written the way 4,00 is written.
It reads 4,38
